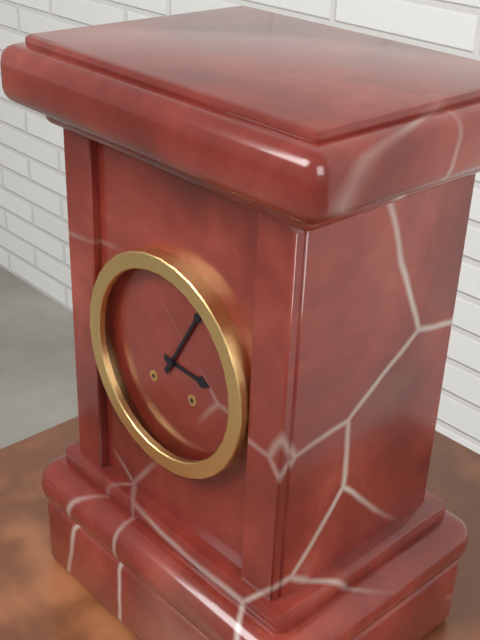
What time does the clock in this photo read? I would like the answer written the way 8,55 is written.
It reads 3,05
